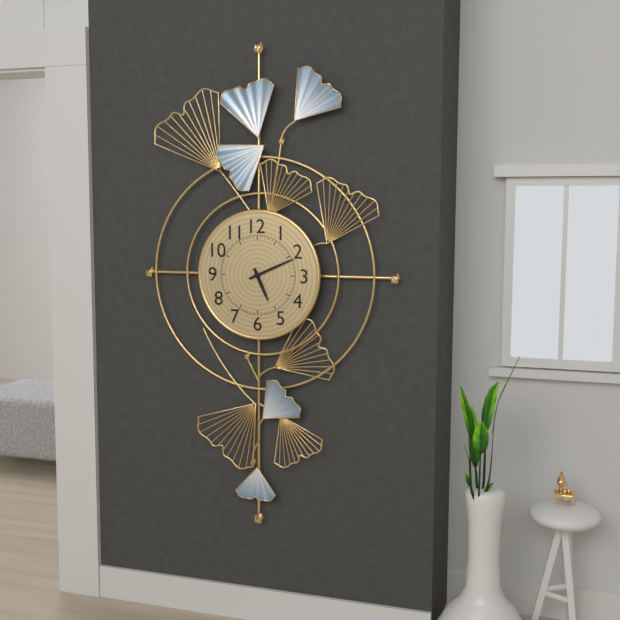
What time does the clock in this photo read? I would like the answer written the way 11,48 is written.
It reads 5,11
